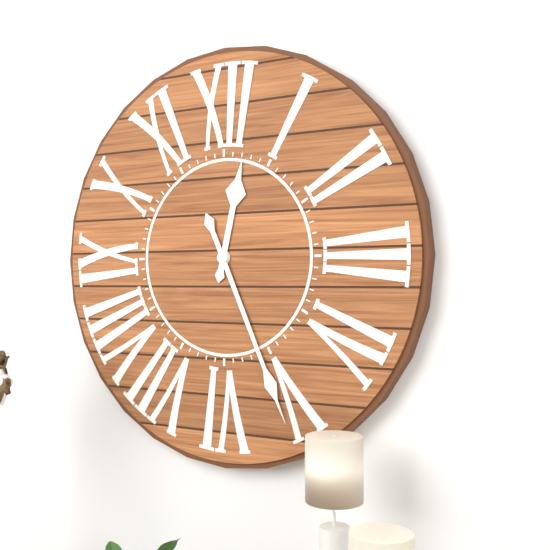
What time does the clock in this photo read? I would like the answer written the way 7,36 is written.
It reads 12,26
